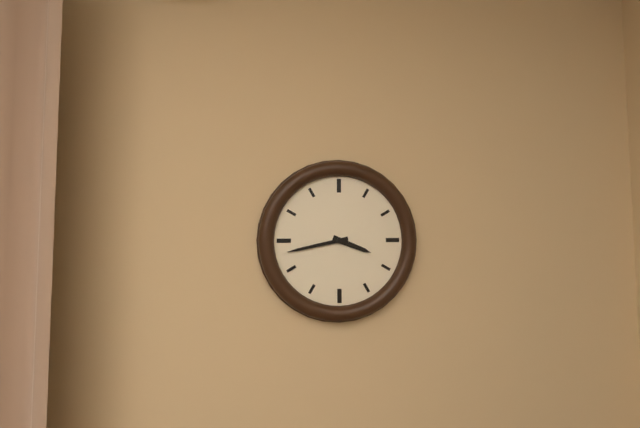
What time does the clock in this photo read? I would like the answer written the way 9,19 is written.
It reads 3,43
